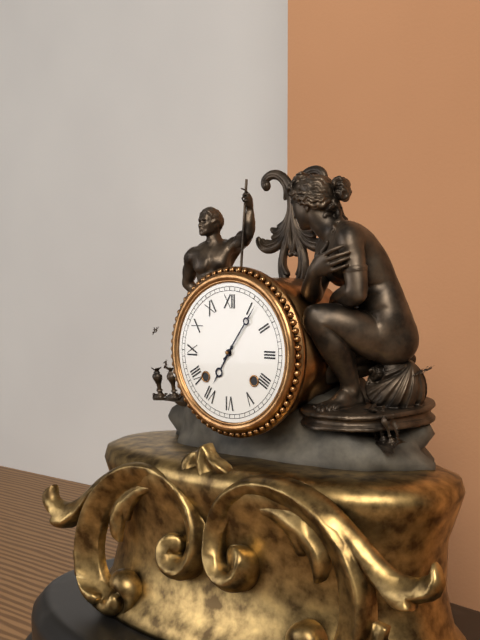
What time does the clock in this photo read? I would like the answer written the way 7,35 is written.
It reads 7,06
